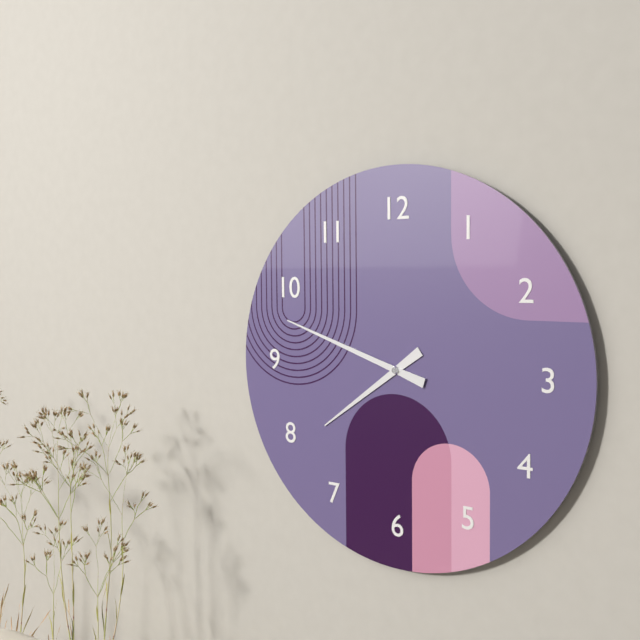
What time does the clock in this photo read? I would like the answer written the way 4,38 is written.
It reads 7,48
